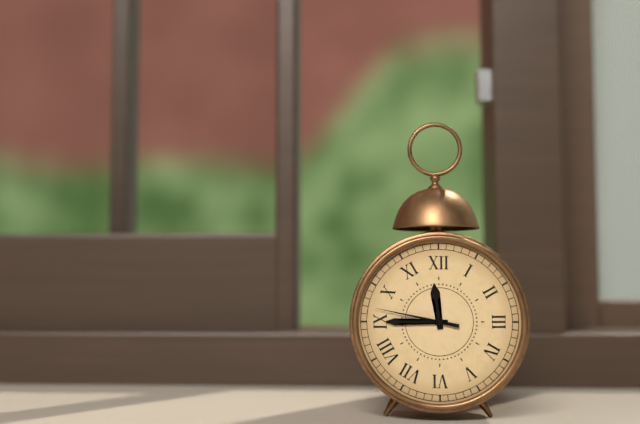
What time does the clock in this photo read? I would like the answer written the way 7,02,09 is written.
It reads 11,45,47
